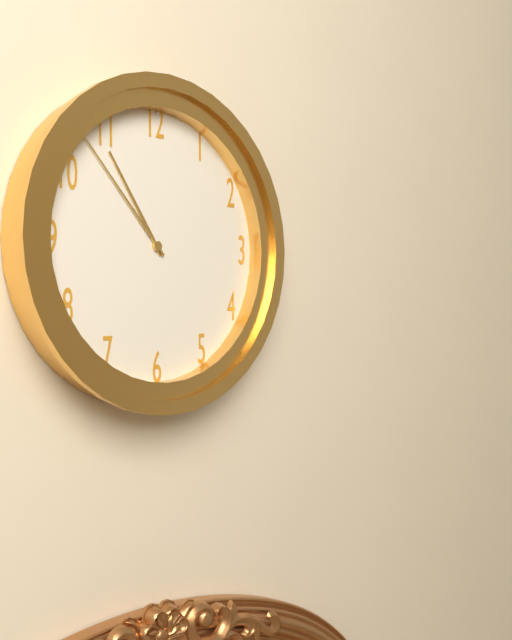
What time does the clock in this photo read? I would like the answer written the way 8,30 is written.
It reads 10,53
